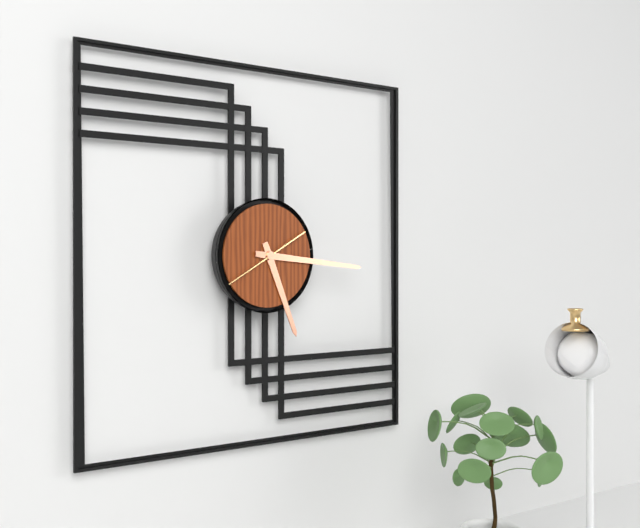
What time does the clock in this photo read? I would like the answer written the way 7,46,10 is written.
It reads 5,16,40
